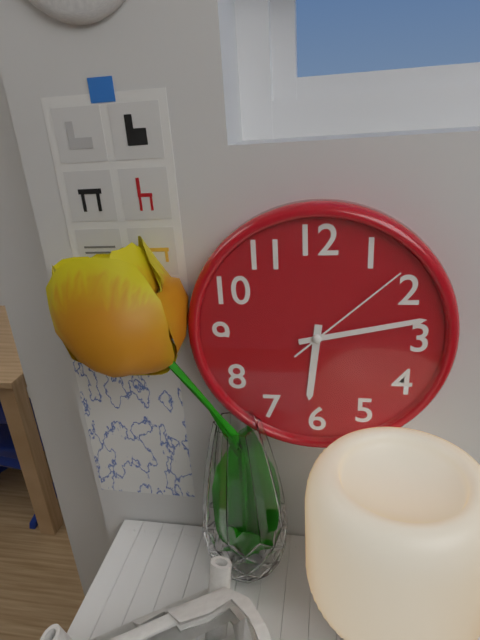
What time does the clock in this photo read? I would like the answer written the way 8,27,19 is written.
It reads 6,13,08
